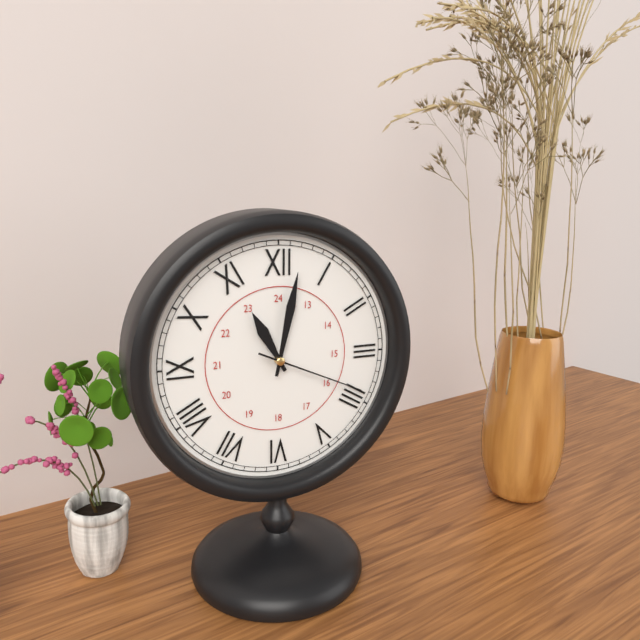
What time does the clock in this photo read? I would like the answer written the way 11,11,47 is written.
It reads 11,02,19
